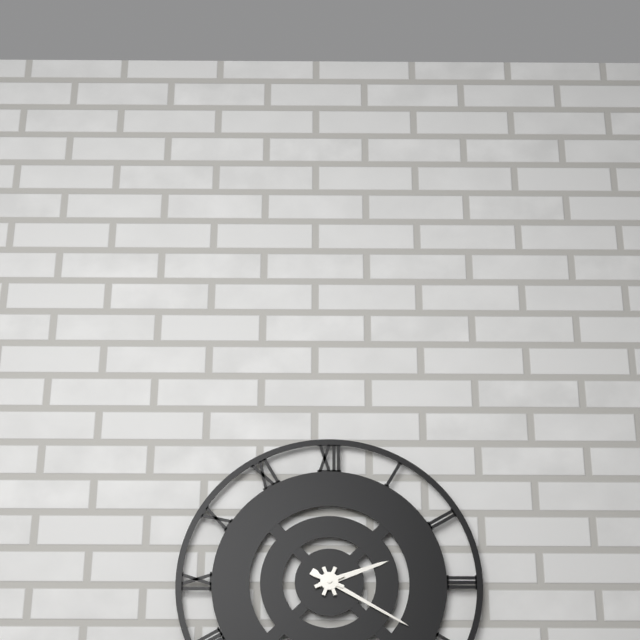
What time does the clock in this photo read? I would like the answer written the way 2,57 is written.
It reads 2,20
